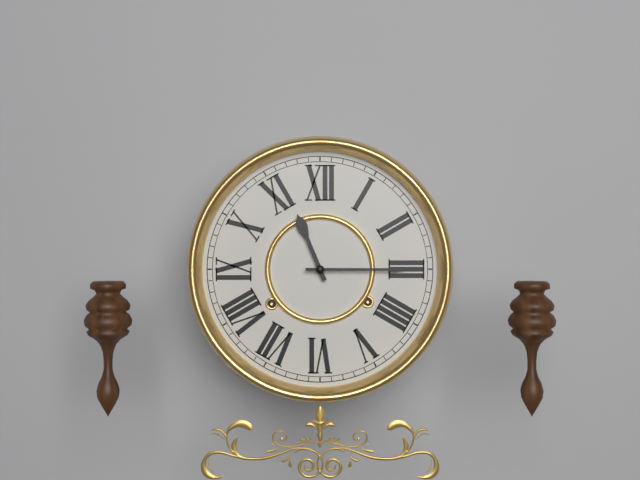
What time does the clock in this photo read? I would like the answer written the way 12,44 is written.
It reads 11,15
